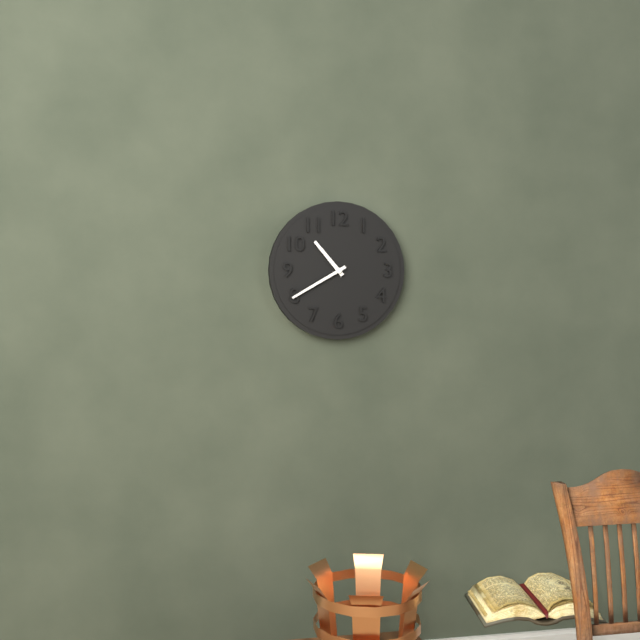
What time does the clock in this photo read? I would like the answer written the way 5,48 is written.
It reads 10,40
